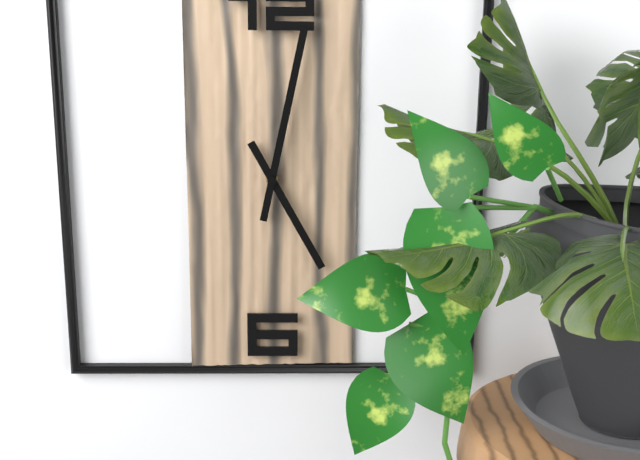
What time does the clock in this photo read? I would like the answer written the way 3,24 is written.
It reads 5,02
